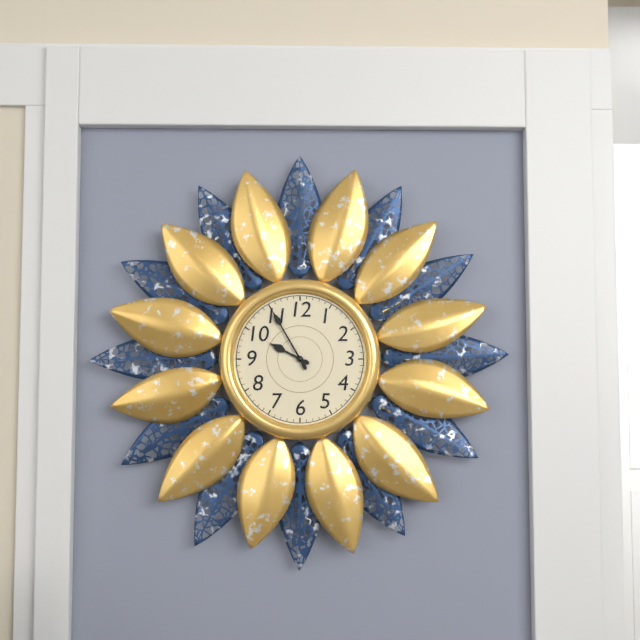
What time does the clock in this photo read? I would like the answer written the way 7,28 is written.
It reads 9,55
